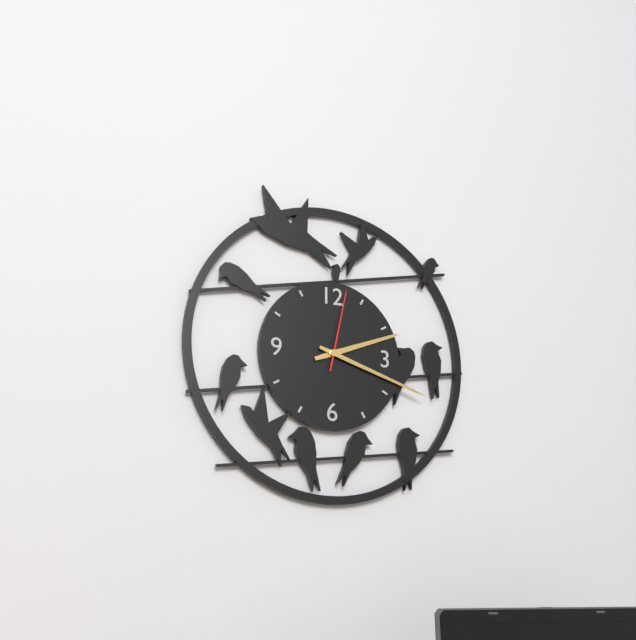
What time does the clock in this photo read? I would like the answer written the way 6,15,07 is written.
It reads 2,18,02
